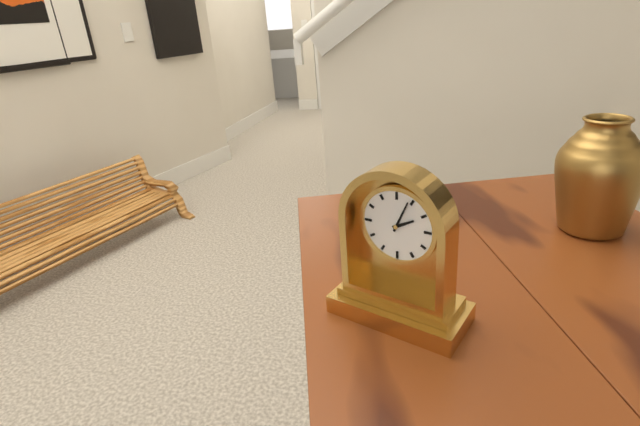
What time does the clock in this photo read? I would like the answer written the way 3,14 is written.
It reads 2,04
